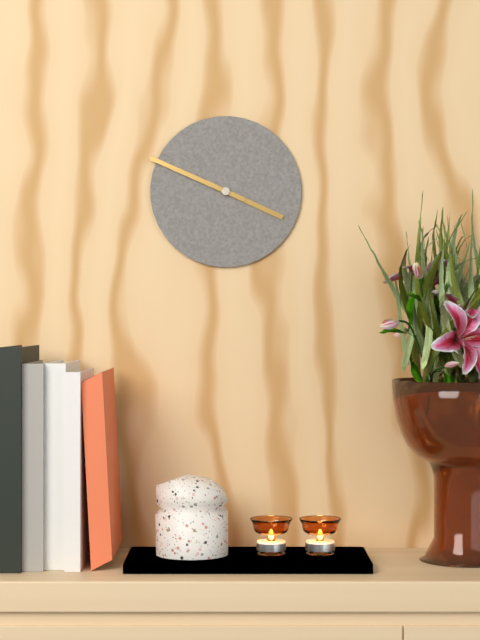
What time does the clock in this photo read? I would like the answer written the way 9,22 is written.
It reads 3,49
